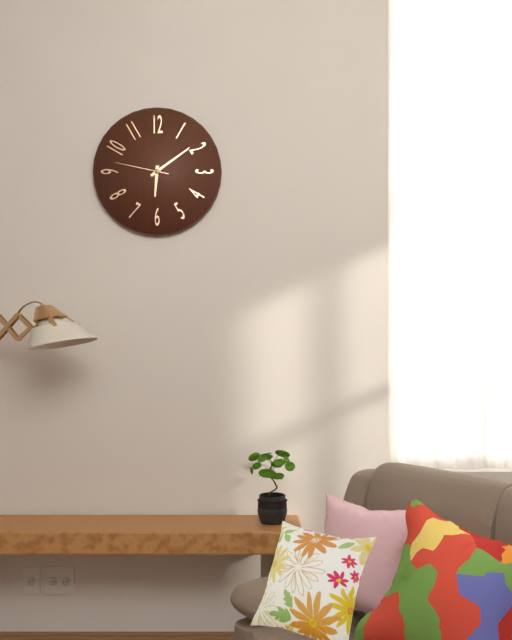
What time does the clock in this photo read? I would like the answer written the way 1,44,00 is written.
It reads 6,09,47
